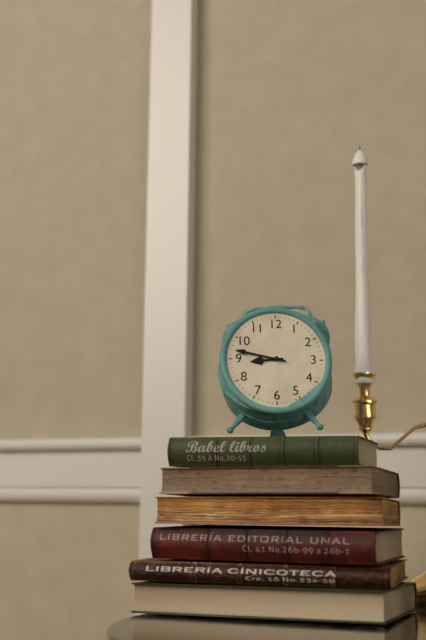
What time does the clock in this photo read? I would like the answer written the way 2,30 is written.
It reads 8,47
